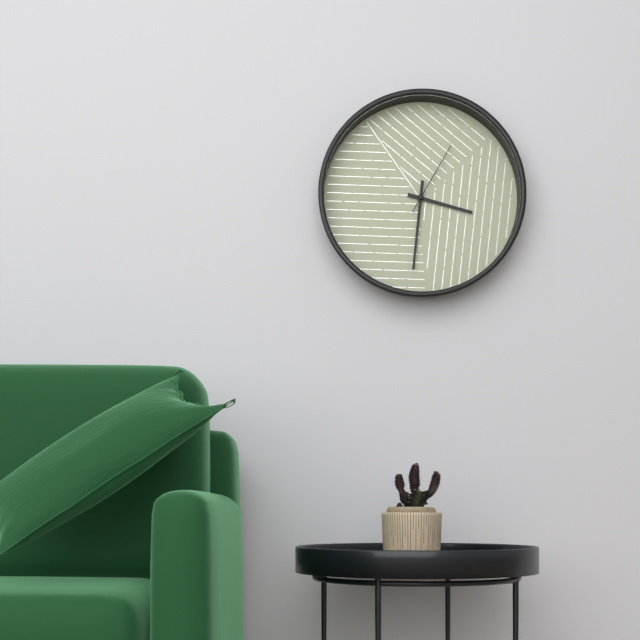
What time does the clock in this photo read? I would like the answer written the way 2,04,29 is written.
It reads 3,31,05
